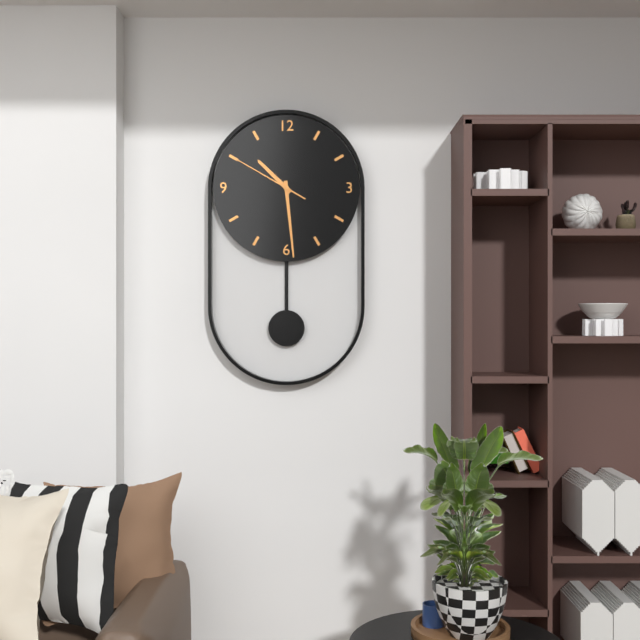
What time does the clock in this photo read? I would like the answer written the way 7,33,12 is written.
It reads 10,29,50
